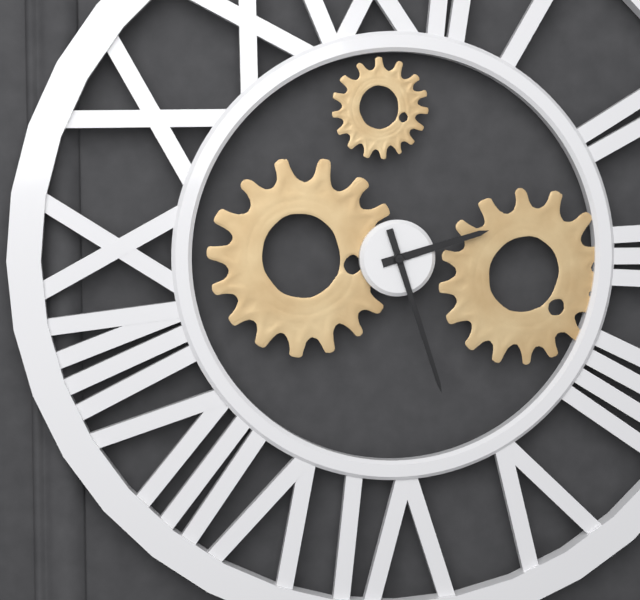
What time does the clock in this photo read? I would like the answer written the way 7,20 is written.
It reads 2,27
